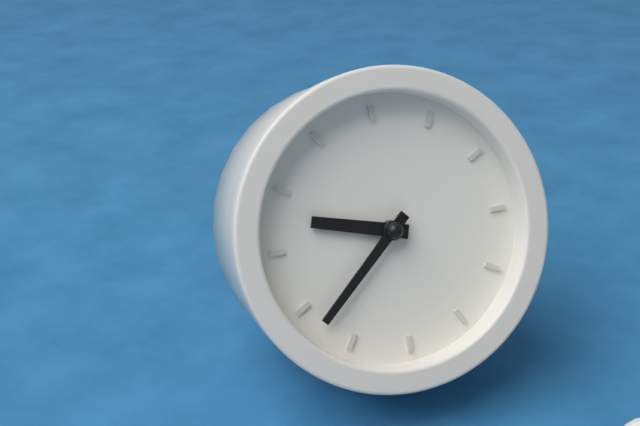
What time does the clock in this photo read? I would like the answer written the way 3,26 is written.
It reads 8,33
